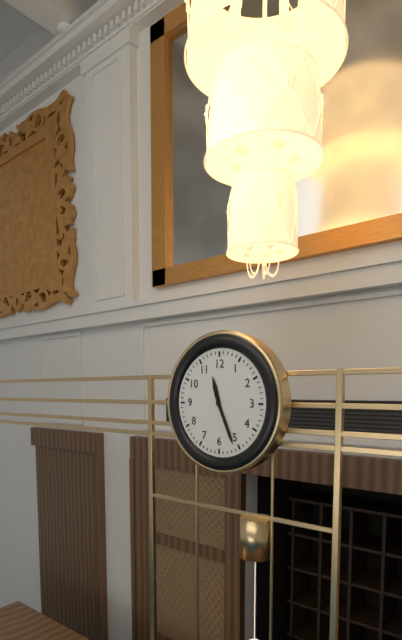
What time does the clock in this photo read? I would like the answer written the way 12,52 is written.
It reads 11,26
